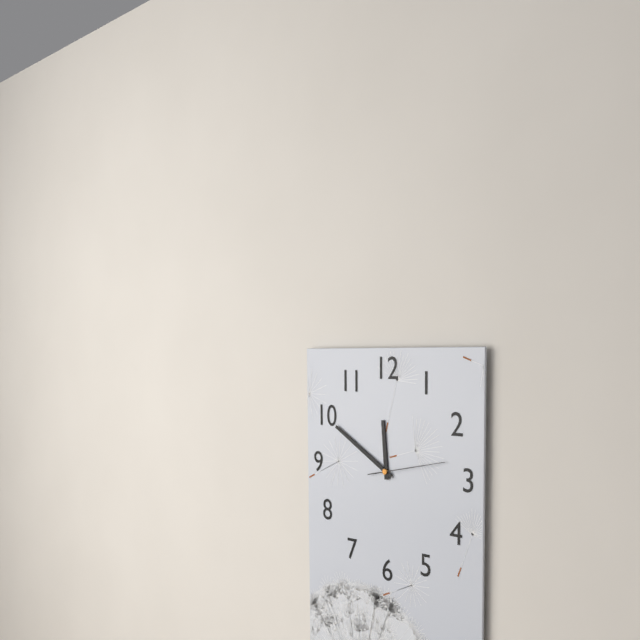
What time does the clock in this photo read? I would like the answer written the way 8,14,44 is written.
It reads 11,50,13
